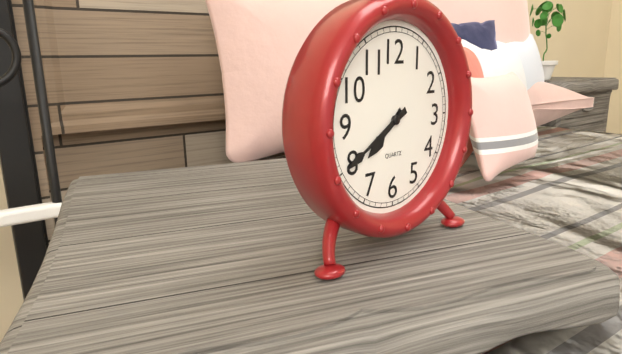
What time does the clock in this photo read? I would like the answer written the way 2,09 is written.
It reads 7,40
